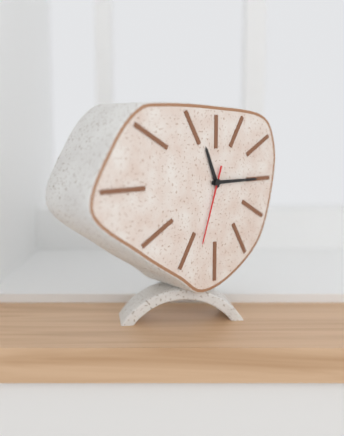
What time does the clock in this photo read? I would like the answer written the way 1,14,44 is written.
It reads 11,15,33
